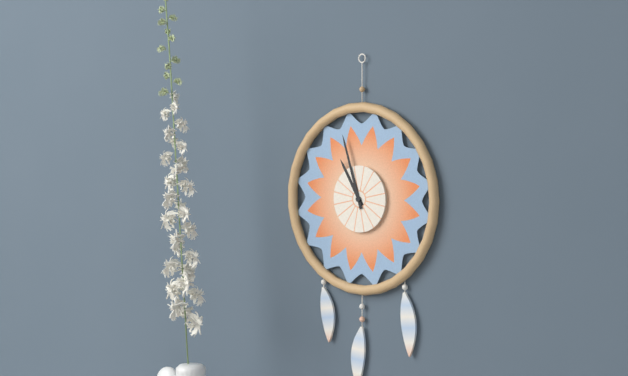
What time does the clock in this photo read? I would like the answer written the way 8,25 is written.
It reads 10,57
